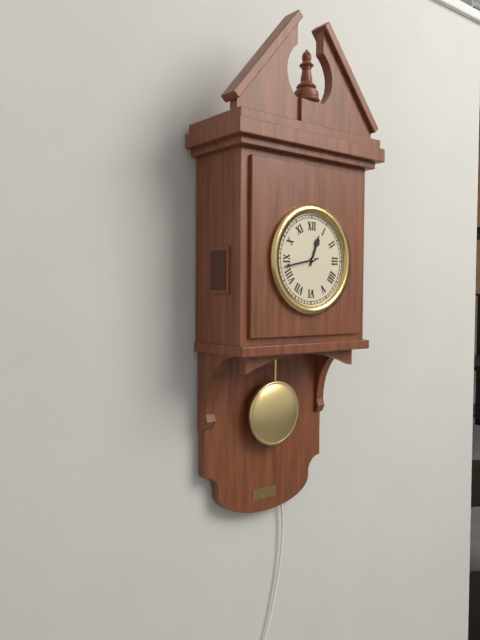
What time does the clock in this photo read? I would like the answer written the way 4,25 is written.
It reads 12,43
